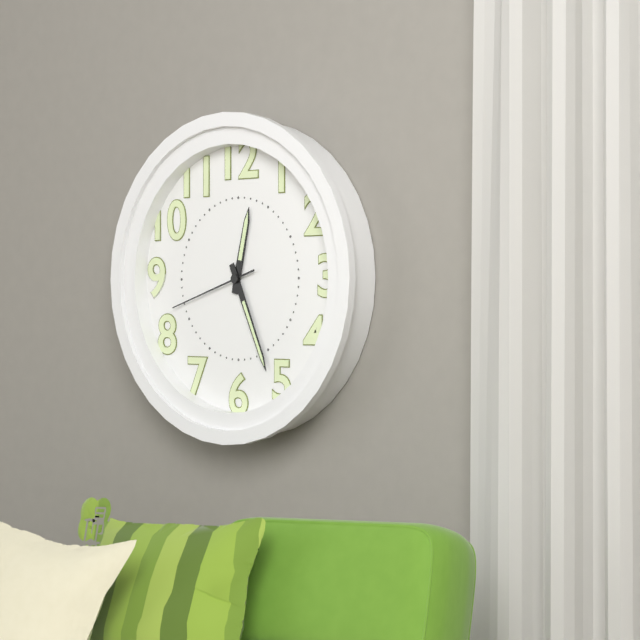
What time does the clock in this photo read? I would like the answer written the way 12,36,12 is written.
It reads 12,26,42
